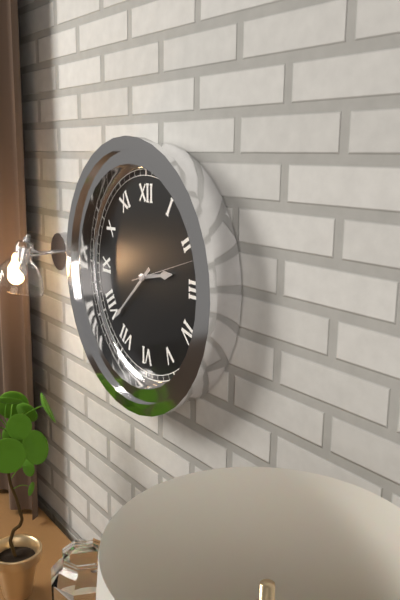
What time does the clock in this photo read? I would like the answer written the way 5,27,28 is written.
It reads 2,38,12
